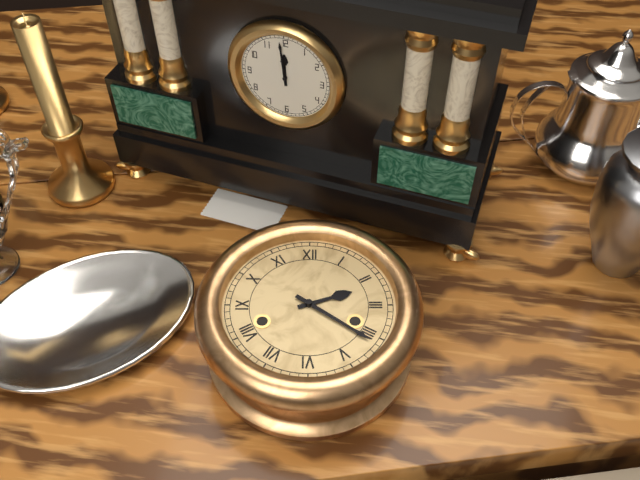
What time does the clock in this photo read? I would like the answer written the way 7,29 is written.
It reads 2,21
